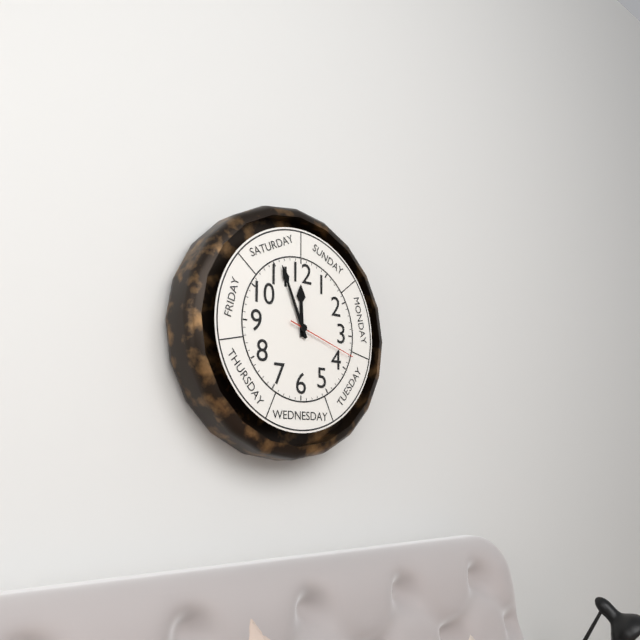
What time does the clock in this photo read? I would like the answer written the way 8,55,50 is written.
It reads 11,56,18
